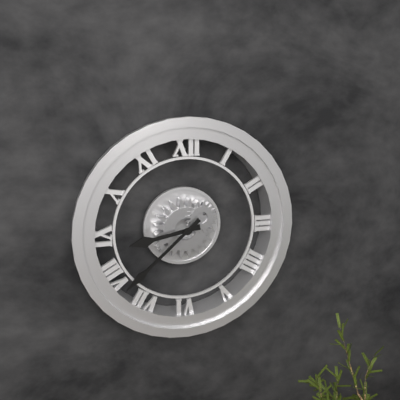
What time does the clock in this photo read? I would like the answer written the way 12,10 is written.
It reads 8,38
